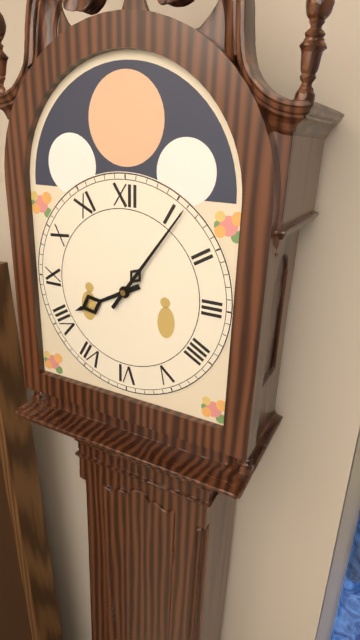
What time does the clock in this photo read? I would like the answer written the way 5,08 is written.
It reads 8,06
